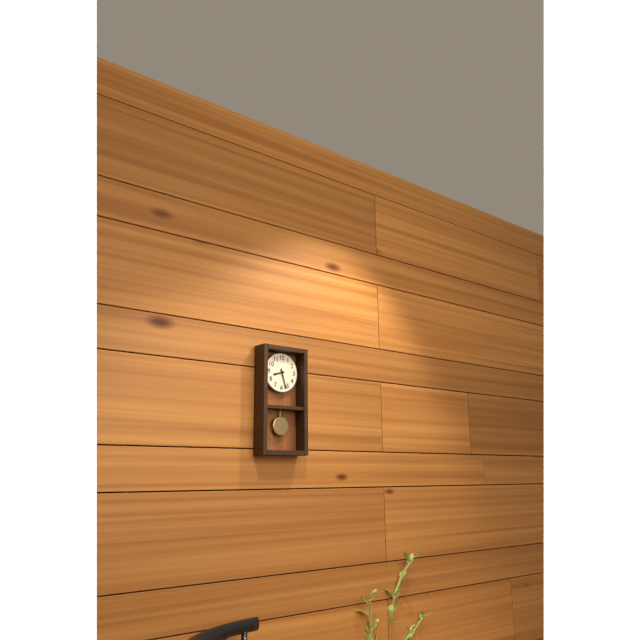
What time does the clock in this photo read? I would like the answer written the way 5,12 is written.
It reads 8,27
